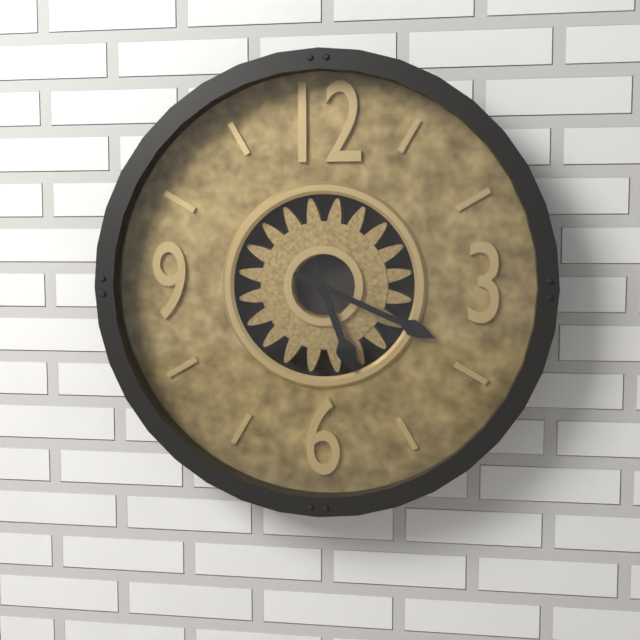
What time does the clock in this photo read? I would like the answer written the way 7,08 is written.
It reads 5,19
